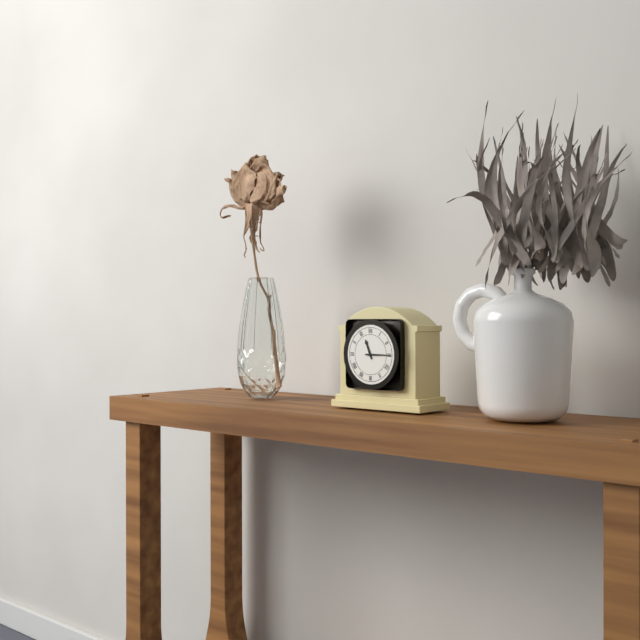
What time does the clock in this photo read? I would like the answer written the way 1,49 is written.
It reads 11,15
